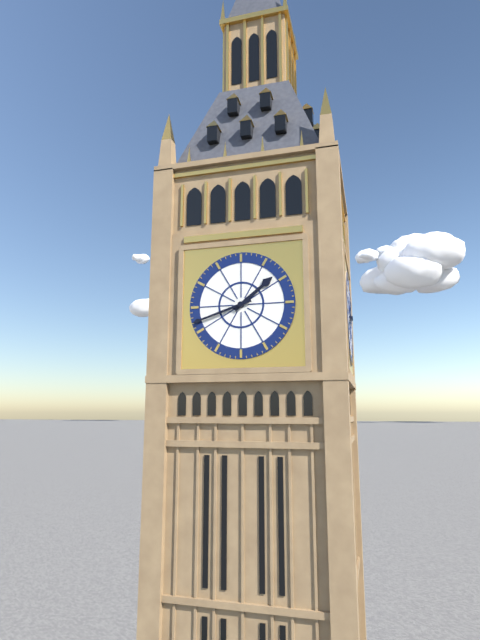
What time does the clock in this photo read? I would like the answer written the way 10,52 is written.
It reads 1,42
